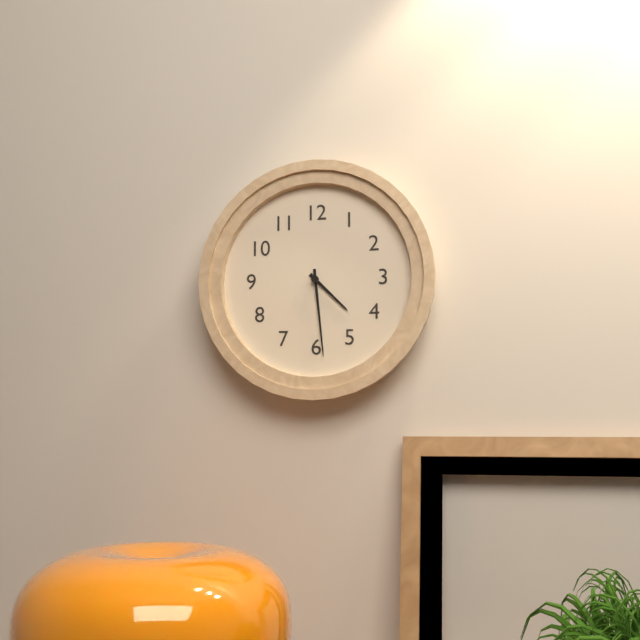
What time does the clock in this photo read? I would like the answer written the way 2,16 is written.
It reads 4,29
